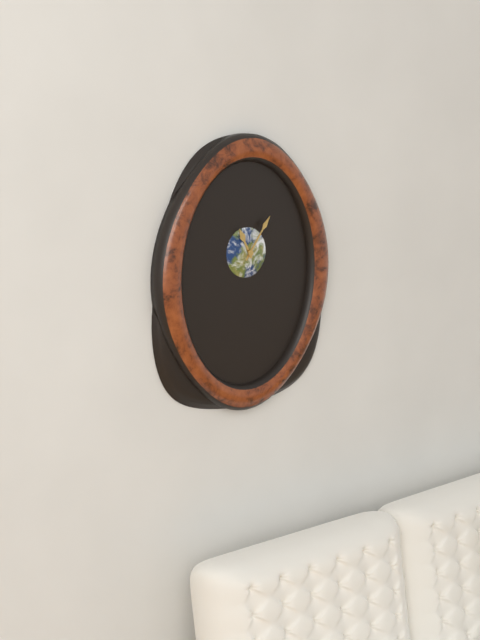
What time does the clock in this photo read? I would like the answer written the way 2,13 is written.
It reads 11,06
